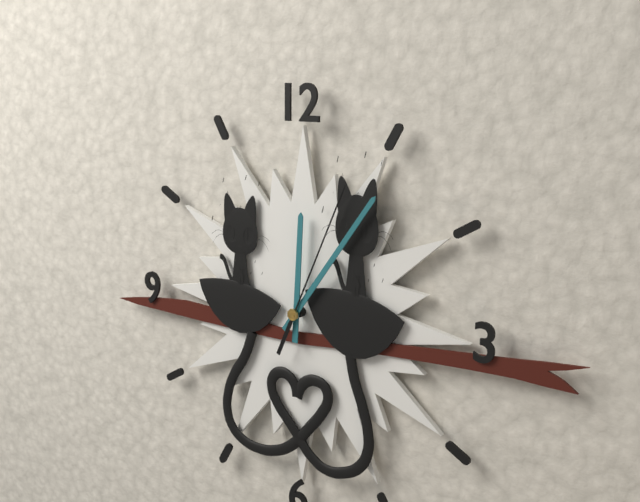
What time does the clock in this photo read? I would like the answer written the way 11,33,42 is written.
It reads 12,06,04
